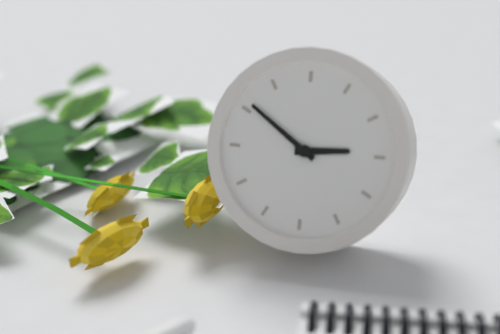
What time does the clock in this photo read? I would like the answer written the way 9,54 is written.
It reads 2,51
